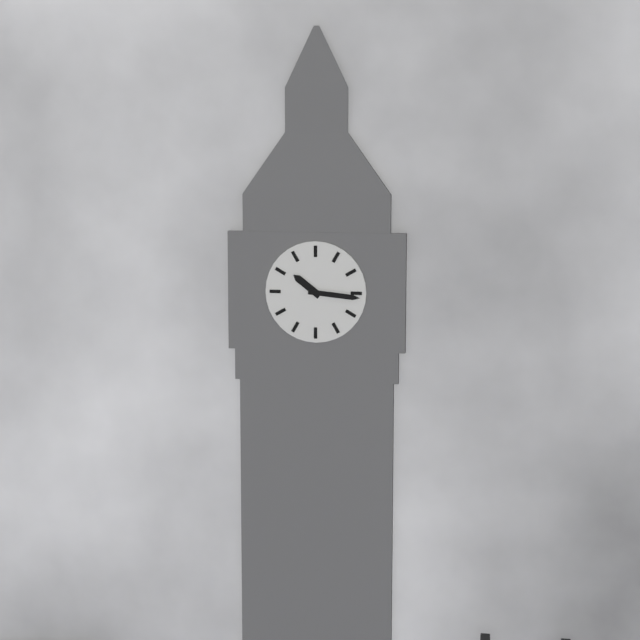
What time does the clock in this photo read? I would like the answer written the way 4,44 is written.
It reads 10,16
